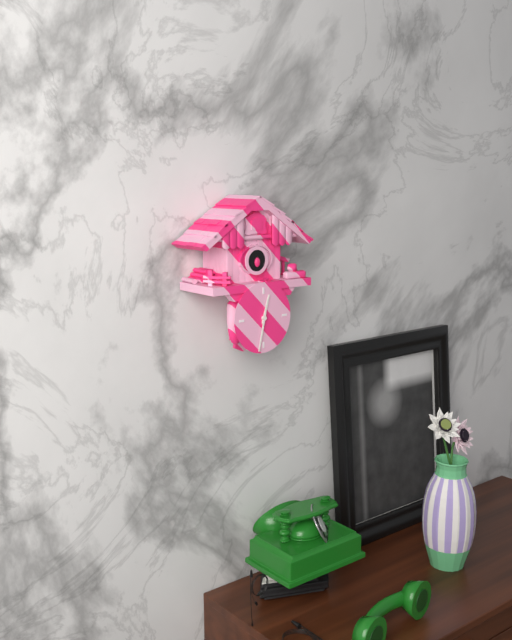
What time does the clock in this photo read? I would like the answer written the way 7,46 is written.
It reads 12,32
